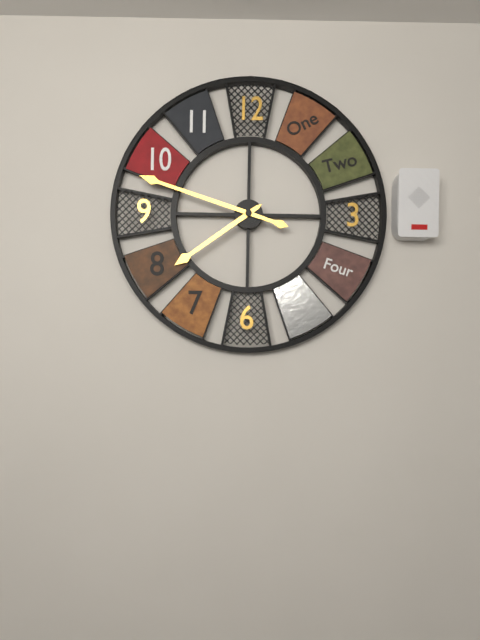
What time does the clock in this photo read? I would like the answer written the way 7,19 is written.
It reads 7,48
